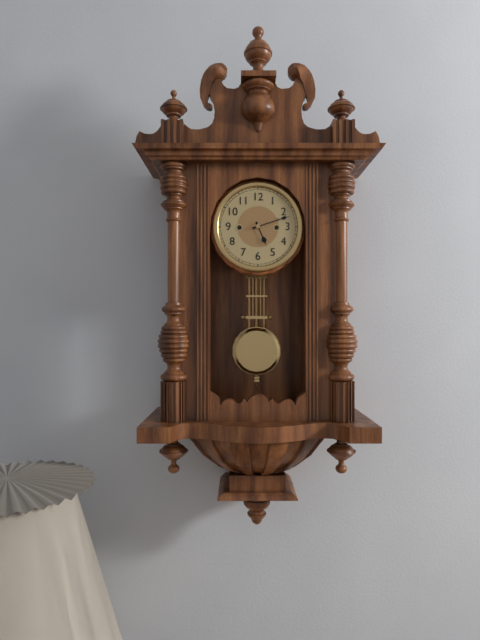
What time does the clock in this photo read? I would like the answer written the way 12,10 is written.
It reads 5,12
